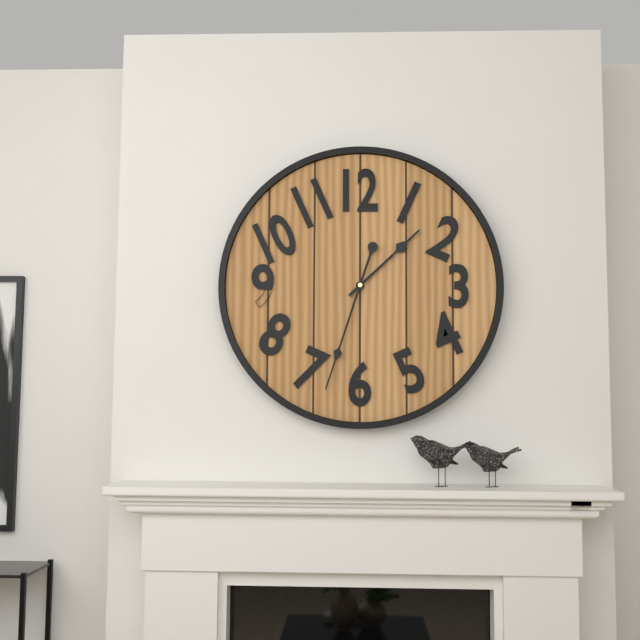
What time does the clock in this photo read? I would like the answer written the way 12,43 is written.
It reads 1,33
